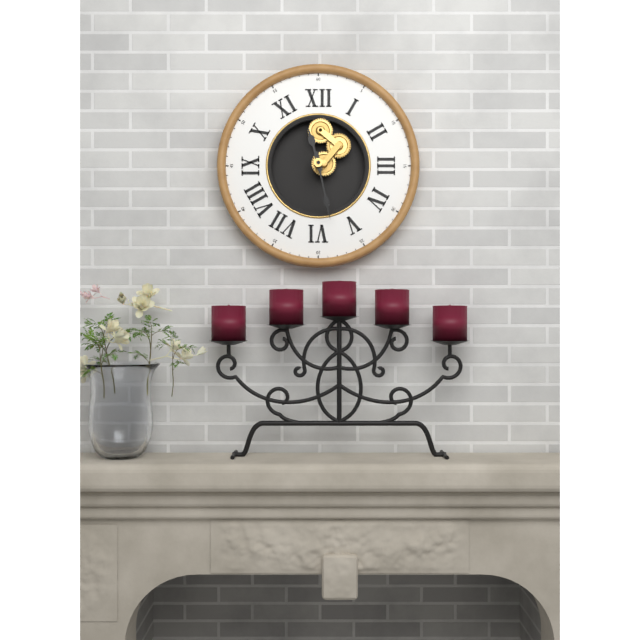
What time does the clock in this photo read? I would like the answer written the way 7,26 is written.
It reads 11,28
